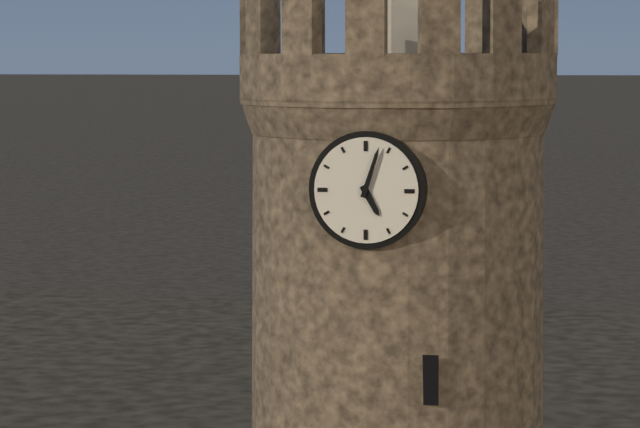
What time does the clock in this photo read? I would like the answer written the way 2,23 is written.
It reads 5,03
